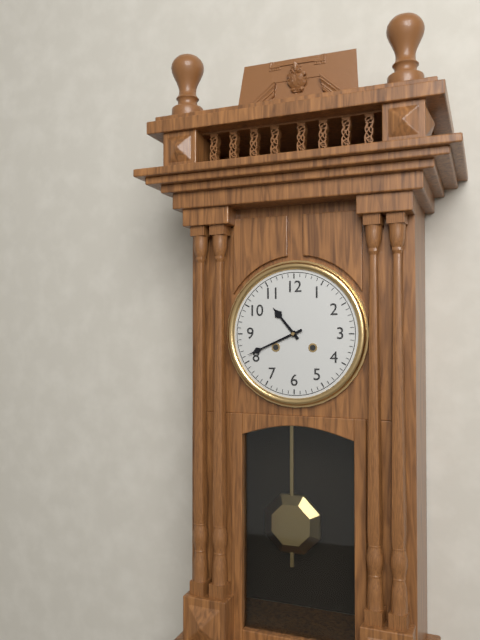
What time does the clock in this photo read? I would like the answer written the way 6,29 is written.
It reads 10,41
